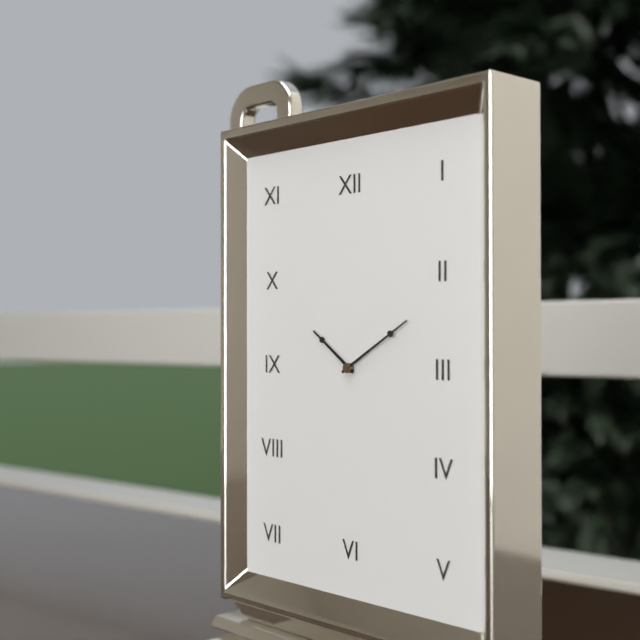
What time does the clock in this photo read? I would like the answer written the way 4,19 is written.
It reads 10,10
